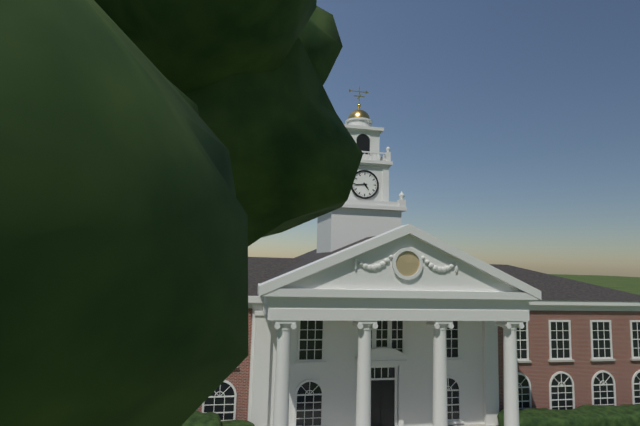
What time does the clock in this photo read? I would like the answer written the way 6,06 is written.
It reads 4,44
